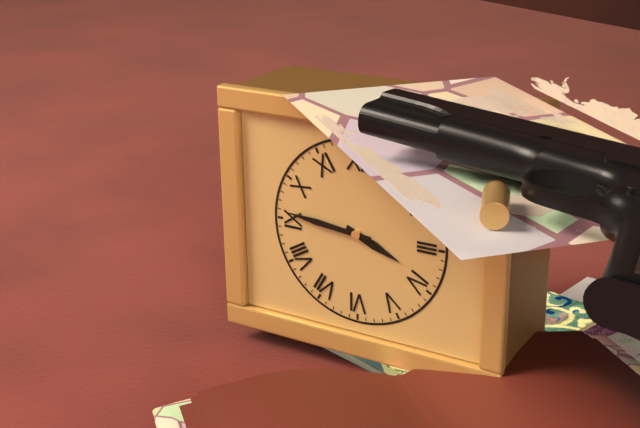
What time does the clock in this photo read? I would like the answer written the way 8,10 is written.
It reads 3,46
